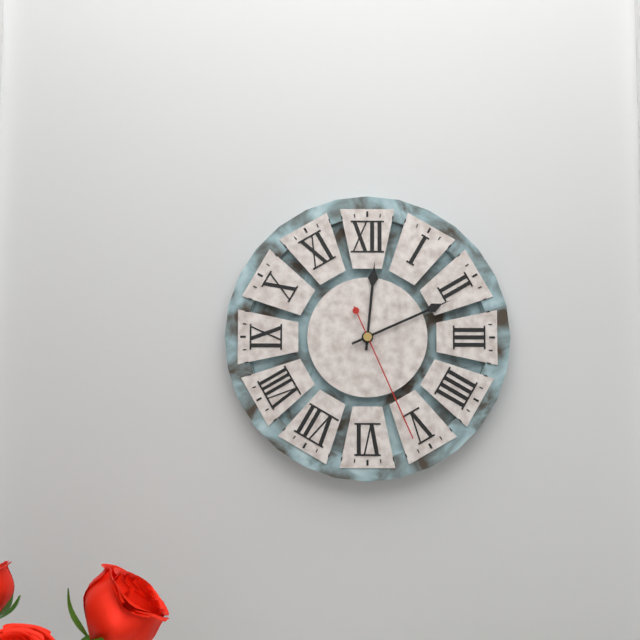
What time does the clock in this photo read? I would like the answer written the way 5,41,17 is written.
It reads 12,11,26
